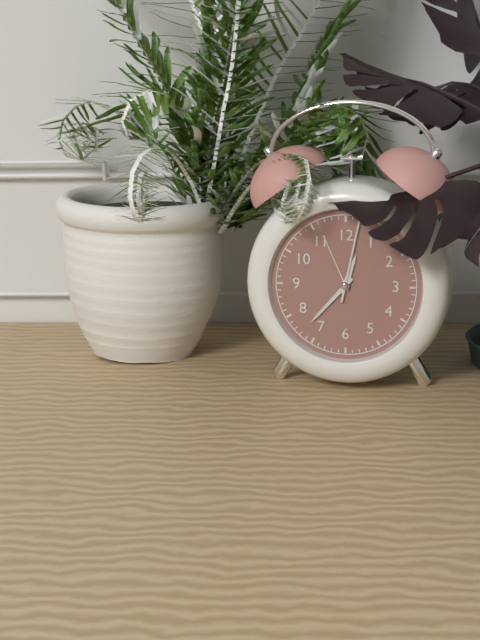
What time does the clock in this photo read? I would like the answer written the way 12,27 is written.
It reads 12,37
